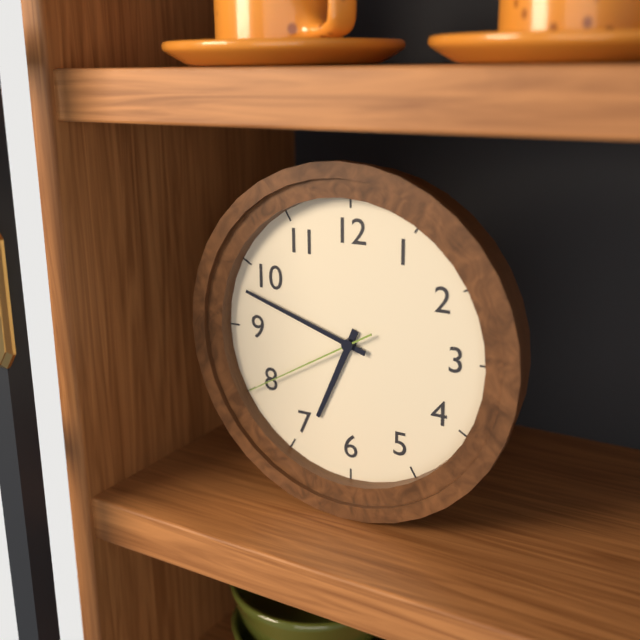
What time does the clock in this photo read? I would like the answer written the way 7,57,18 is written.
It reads 6,48,40
